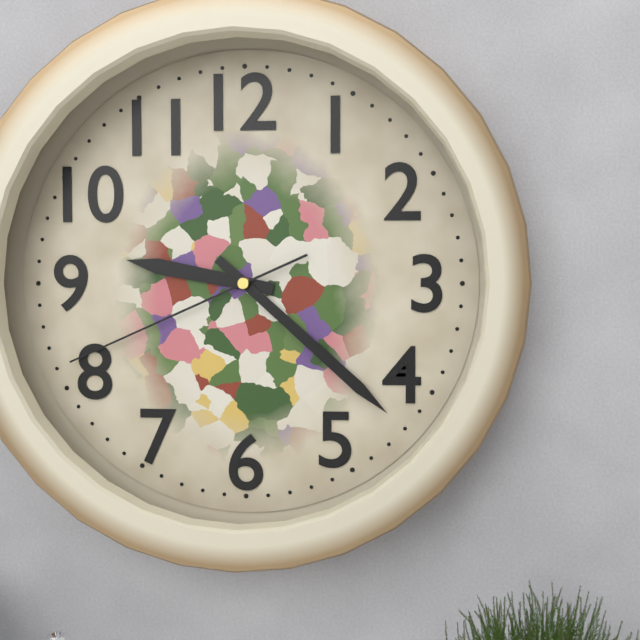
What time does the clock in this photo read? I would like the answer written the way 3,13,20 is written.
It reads 9,22,41
